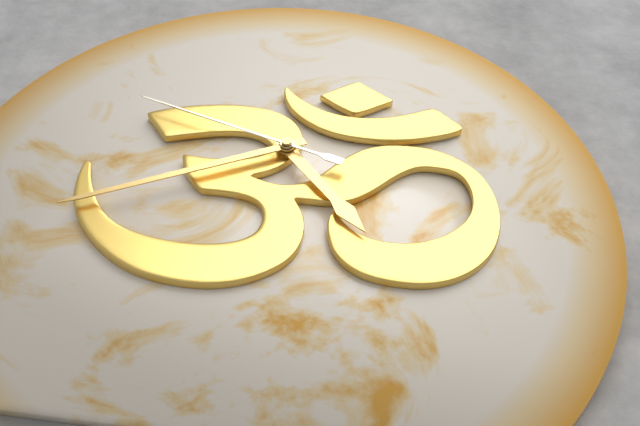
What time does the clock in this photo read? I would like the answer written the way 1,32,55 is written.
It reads 4,40,48
